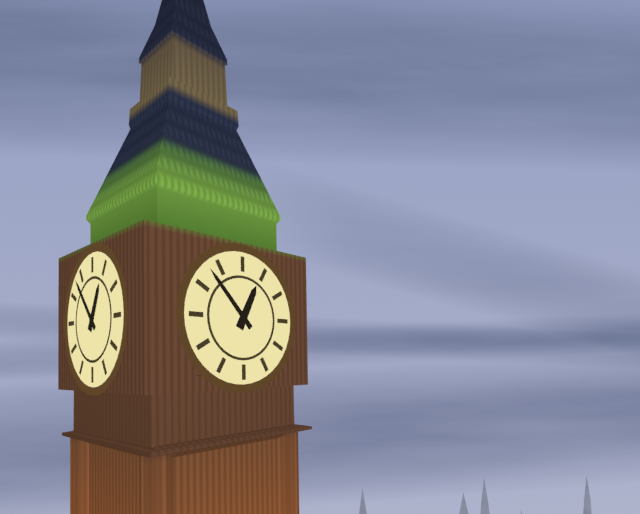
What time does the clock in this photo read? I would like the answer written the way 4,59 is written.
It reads 12,53
